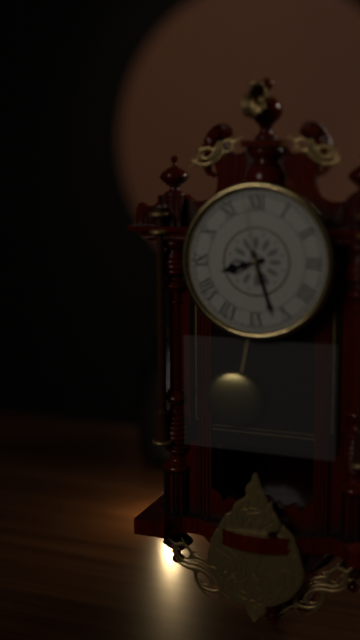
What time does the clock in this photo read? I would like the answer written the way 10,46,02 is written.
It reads 8,27,58
